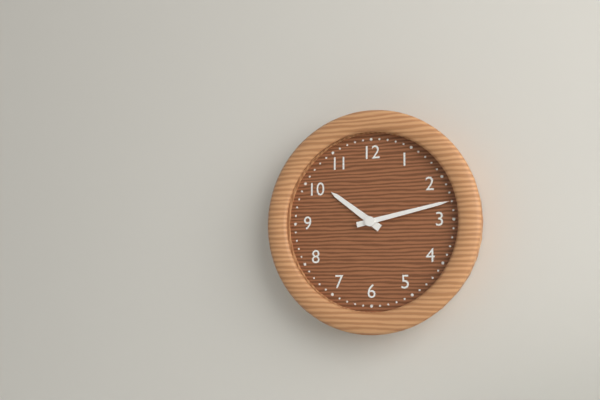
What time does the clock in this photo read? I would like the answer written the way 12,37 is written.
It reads 10,13
